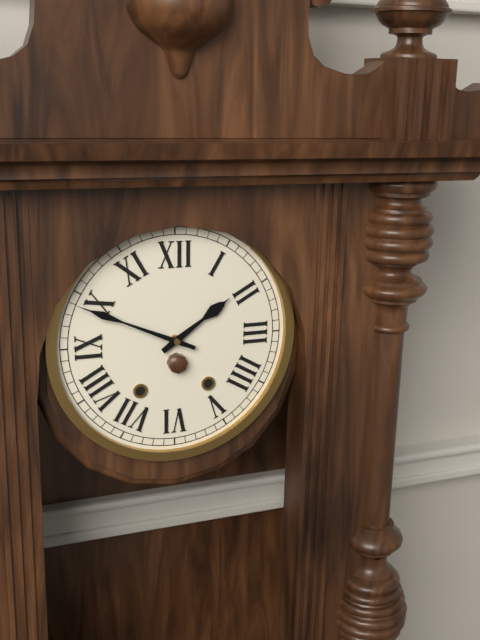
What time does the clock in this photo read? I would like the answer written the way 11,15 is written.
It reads 1,49
